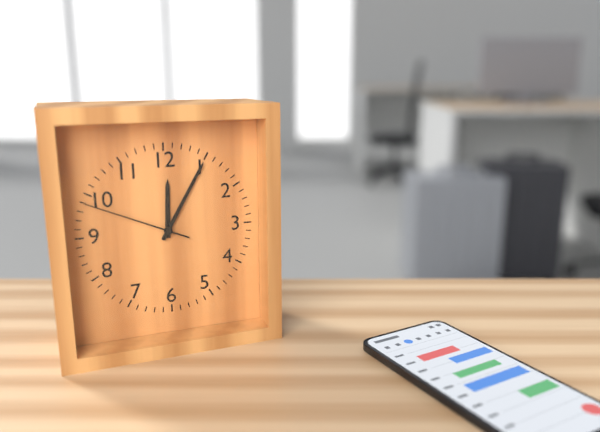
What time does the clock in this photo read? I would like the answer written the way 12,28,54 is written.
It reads 12,05,49
